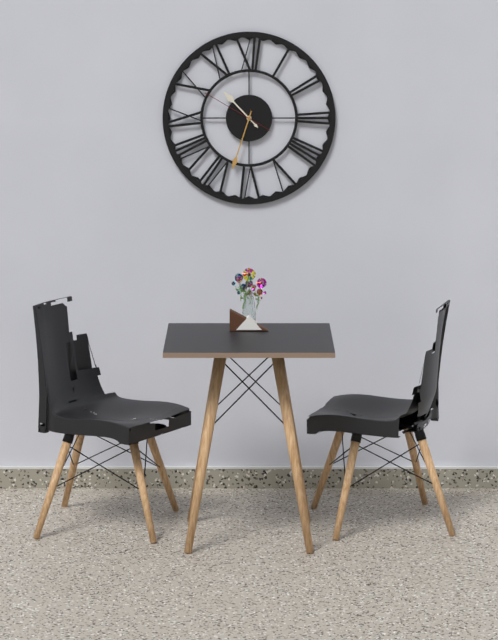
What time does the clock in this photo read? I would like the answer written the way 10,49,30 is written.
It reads 10,33,50
